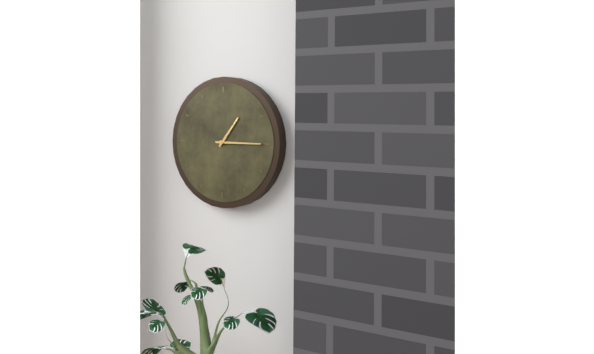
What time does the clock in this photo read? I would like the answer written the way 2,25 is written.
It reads 1,15
